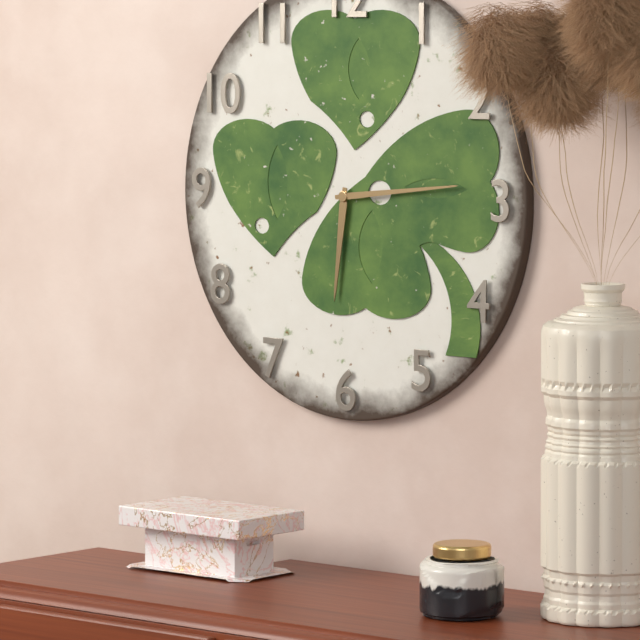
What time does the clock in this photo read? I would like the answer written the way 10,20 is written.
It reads 6,14
